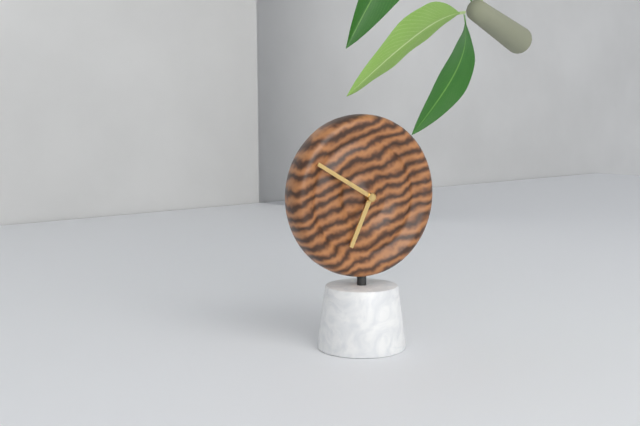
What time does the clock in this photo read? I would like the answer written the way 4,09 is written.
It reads 6,50
